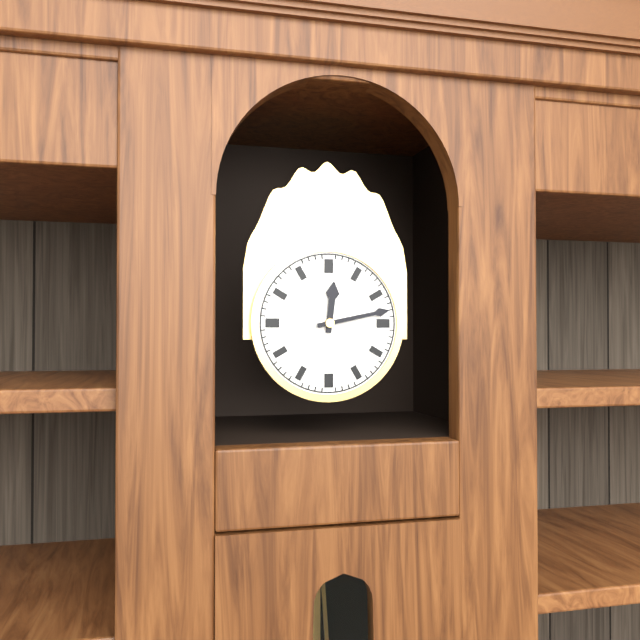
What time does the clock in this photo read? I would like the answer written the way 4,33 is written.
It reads 12,13
